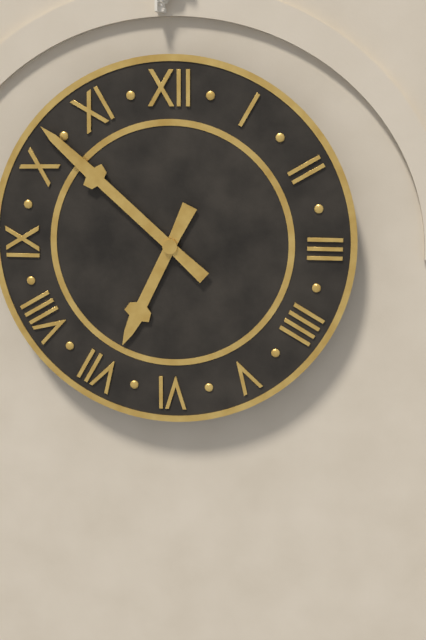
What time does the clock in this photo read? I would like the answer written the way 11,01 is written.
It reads 6,52
